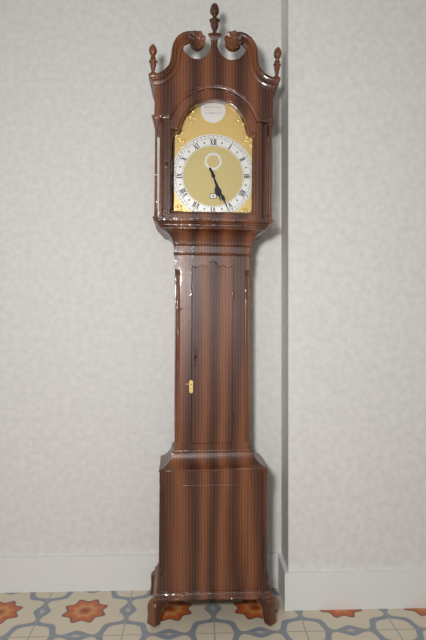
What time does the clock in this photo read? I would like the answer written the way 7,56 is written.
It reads 5,26
